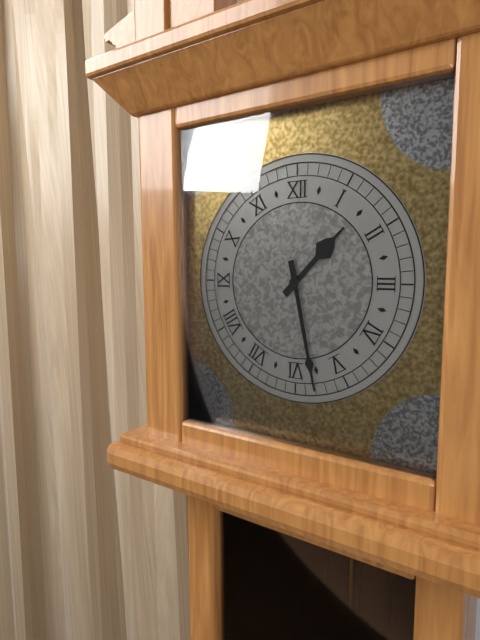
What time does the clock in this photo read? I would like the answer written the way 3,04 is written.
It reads 1,28
